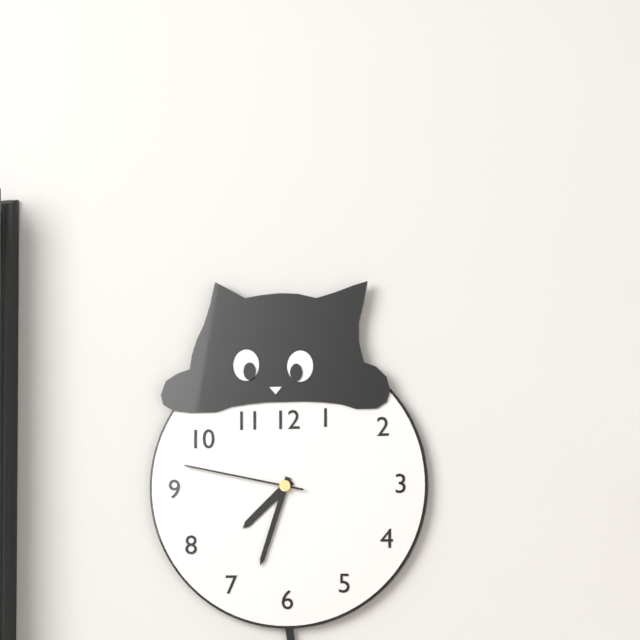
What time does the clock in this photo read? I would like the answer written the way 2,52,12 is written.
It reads 7,33,47
